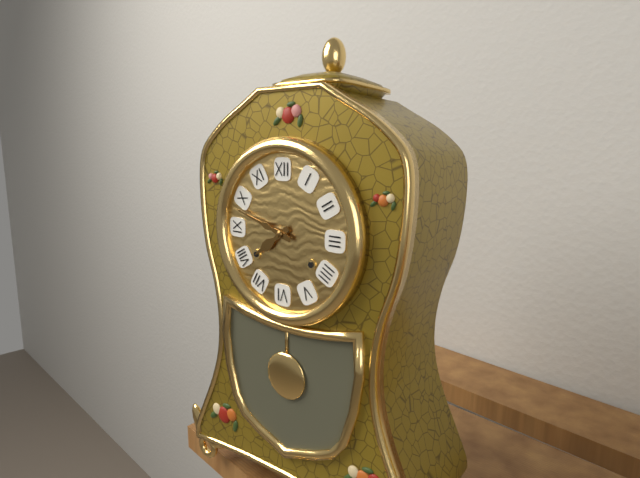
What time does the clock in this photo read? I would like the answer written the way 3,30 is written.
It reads 7,48
